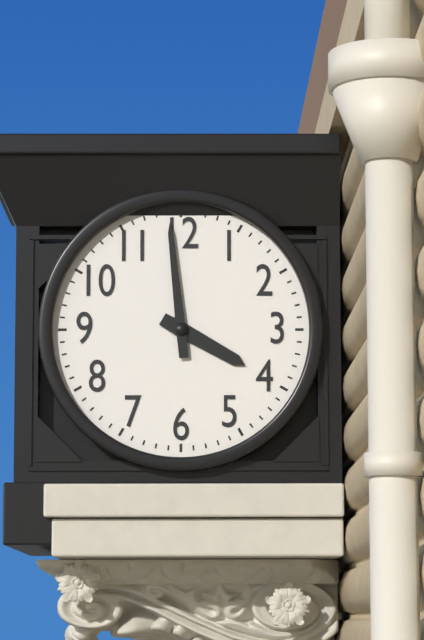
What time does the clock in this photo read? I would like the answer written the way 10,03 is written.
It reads 3,59
